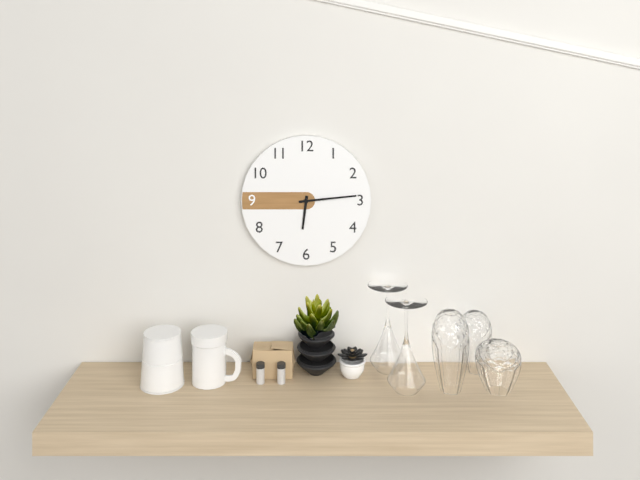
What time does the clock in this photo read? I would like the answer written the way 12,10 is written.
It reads 6,14
